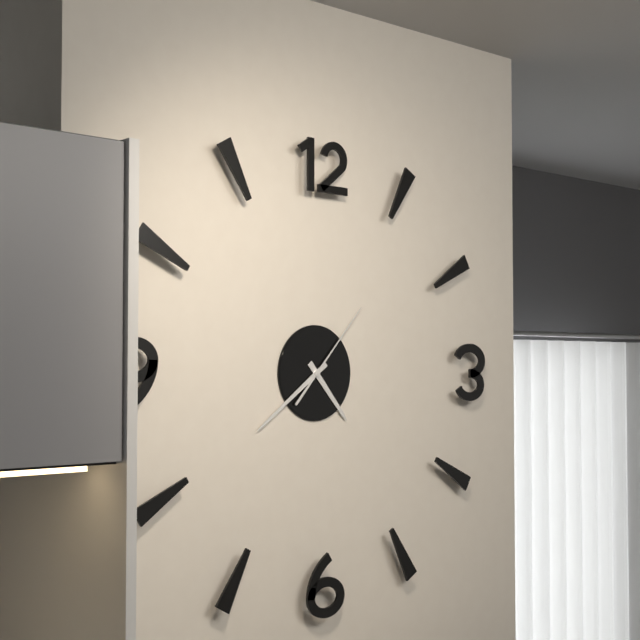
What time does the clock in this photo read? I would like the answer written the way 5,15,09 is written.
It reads 4,39,07
